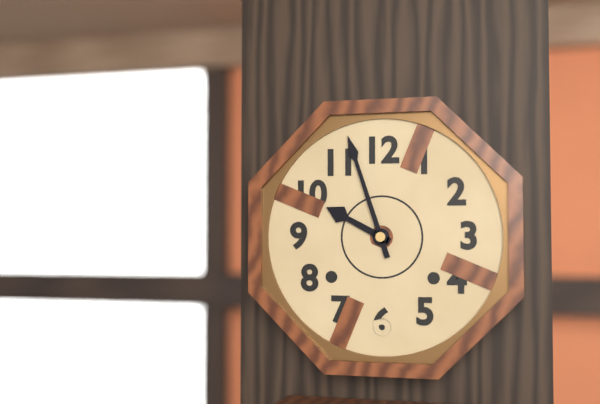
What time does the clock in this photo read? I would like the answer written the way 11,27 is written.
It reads 9,57
